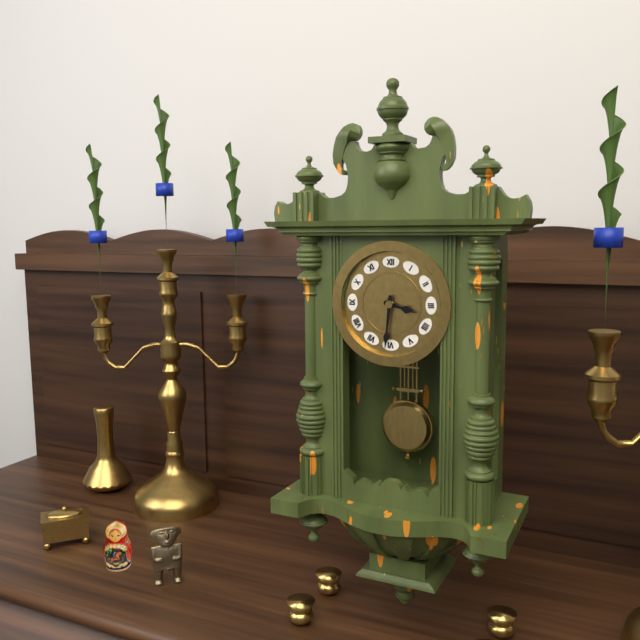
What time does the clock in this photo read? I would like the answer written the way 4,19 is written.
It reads 3,31
